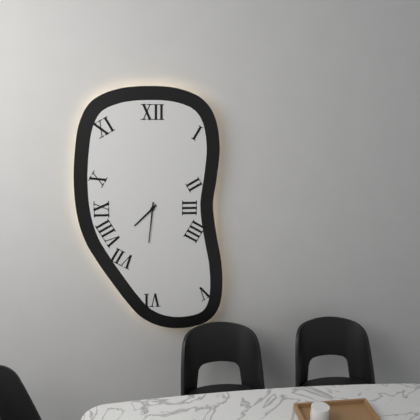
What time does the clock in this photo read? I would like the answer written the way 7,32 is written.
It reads 7,31
